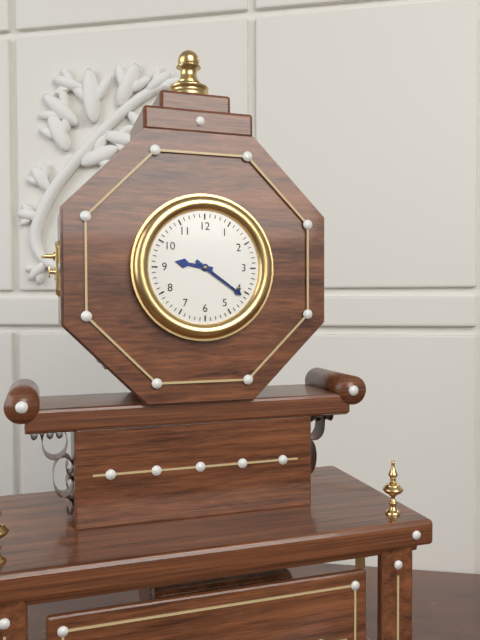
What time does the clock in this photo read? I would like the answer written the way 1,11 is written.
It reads 9,21
